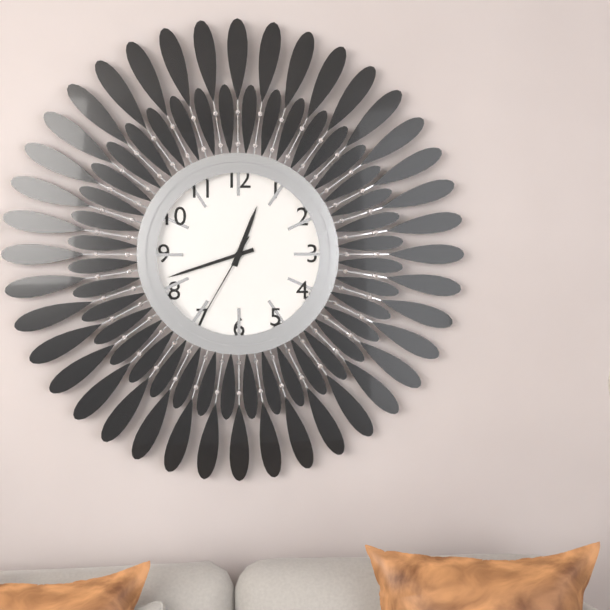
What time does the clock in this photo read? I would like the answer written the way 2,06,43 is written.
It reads 12,42,35
